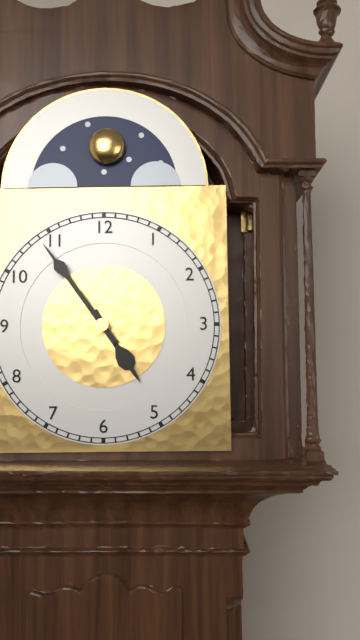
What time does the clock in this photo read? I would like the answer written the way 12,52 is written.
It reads 4,54
